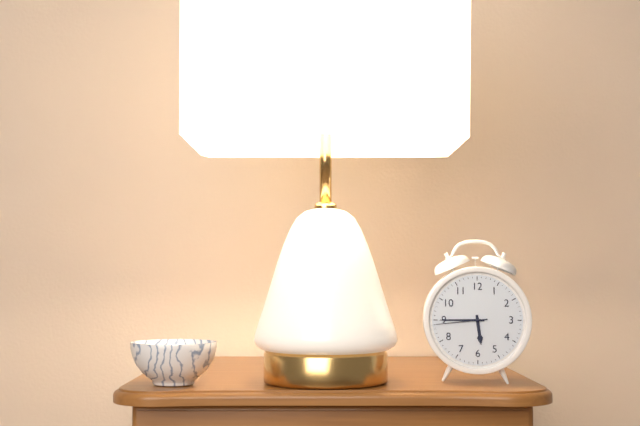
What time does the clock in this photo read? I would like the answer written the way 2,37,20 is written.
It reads 5,45,44
